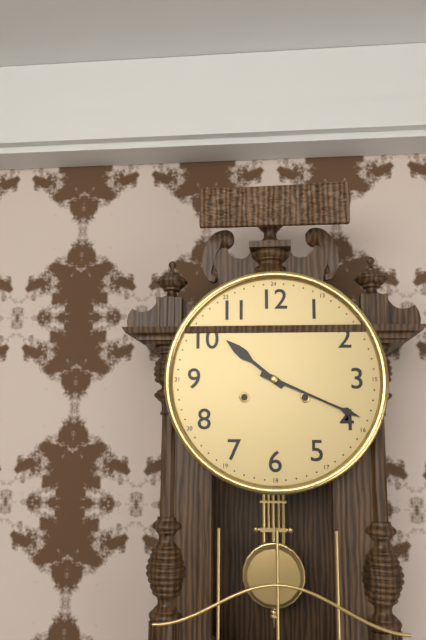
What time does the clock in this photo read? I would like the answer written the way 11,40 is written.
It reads 10,19
